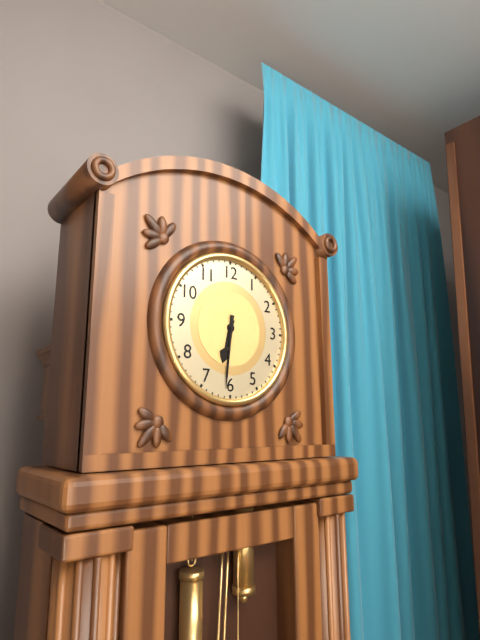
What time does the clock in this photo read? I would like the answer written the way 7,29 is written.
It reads 6,31
